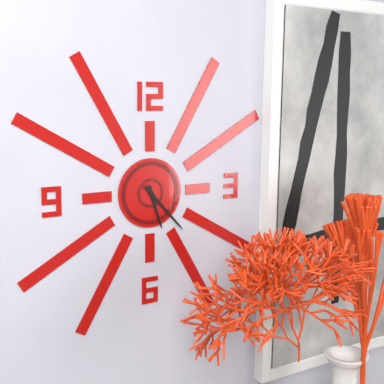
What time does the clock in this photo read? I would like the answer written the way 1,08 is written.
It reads 5,23
